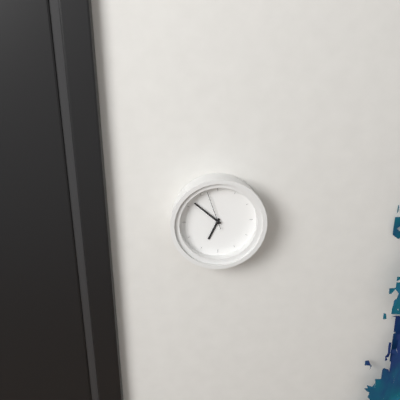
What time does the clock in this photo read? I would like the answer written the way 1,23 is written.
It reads 6,52
